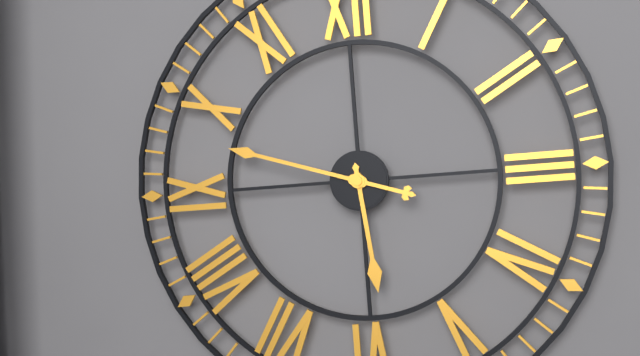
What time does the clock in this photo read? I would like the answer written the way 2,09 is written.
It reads 5,48
